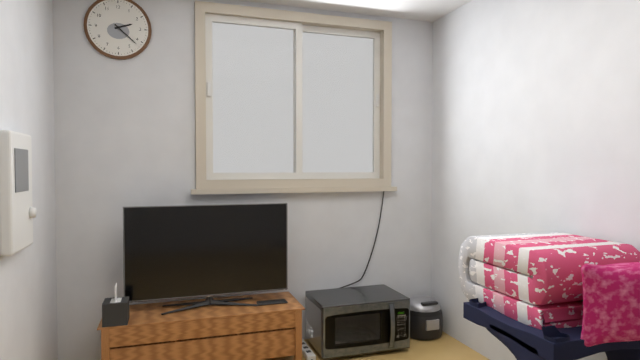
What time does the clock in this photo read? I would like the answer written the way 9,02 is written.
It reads 2,22
